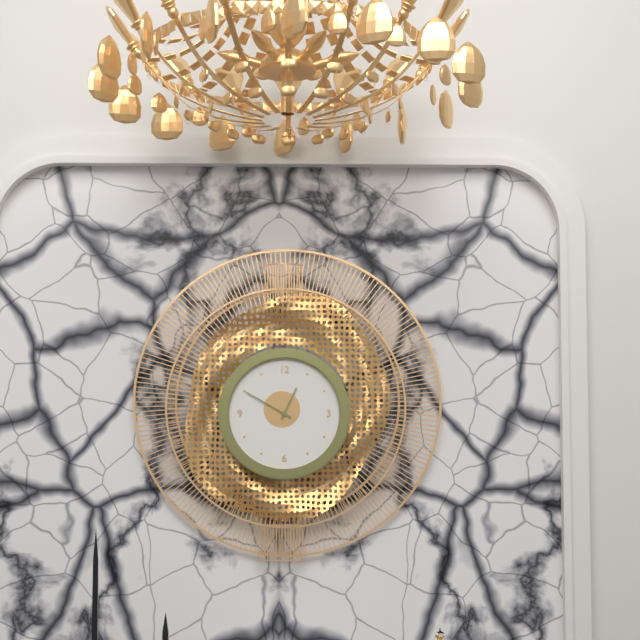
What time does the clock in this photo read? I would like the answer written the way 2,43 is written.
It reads 12,50
